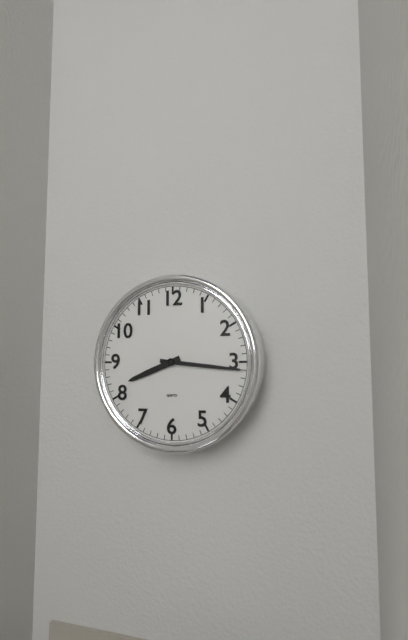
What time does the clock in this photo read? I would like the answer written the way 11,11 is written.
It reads 8,16
